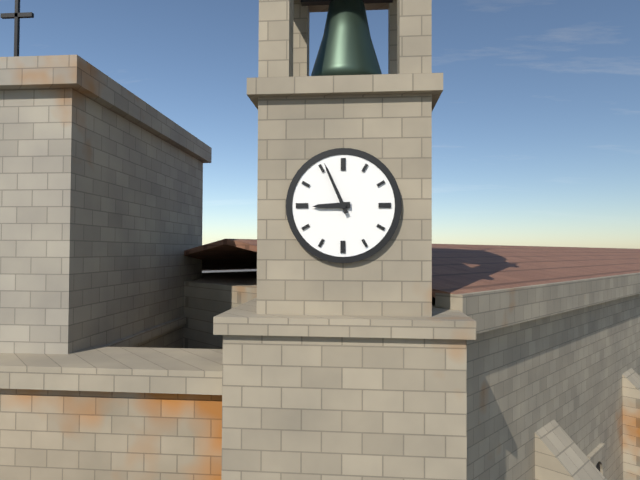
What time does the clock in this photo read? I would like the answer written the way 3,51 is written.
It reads 8,56
